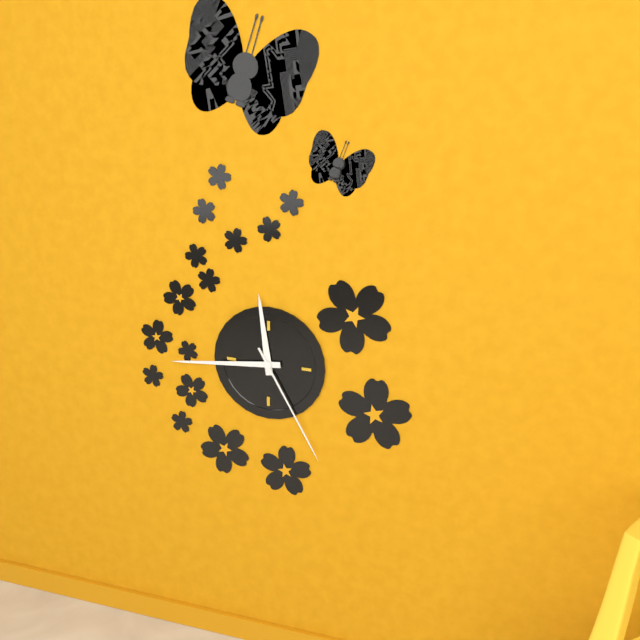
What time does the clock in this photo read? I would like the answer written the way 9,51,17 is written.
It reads 11,44,25
